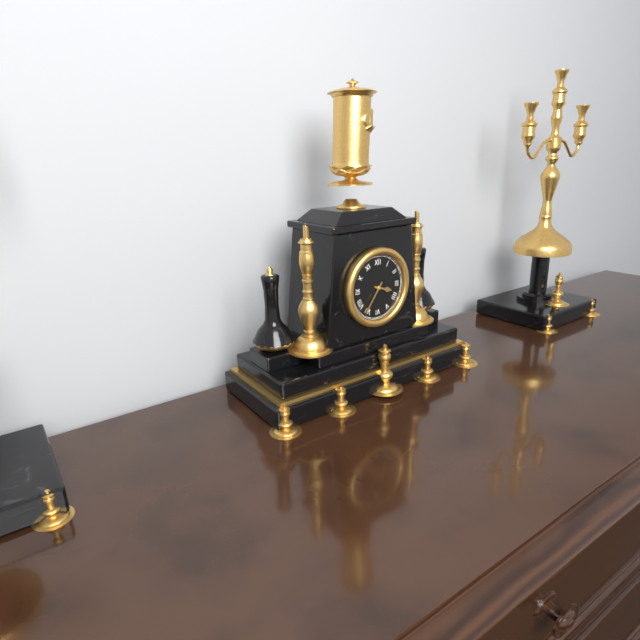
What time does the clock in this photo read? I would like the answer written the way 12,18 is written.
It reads 3,36
